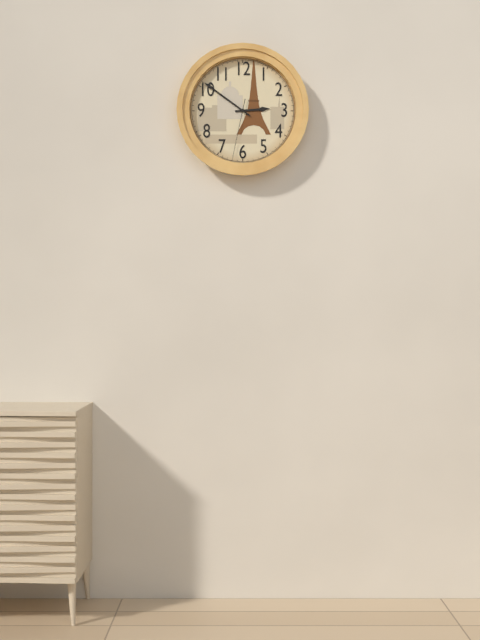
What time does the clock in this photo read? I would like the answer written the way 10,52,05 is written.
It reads 2,51,32
